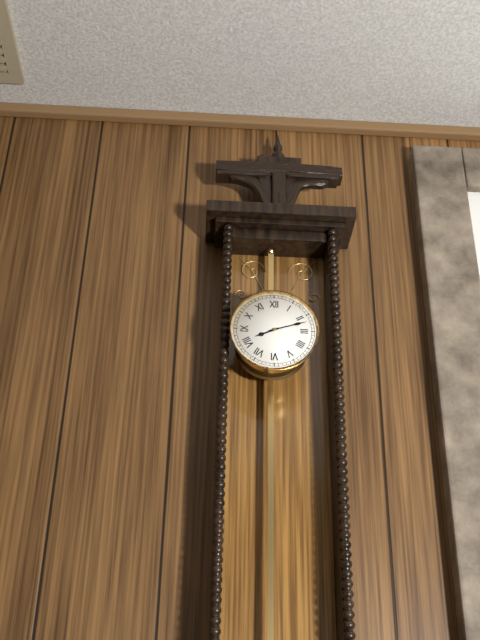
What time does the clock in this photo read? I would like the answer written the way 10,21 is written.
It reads 8,12
